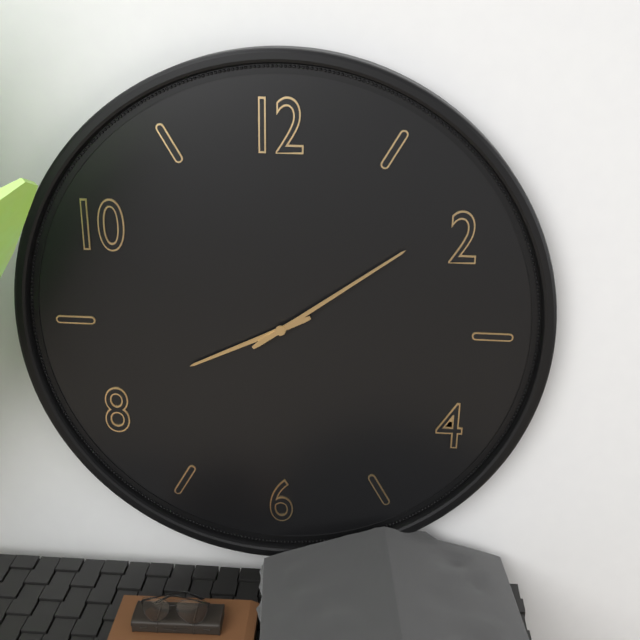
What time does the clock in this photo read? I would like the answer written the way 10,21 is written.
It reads 8,09
